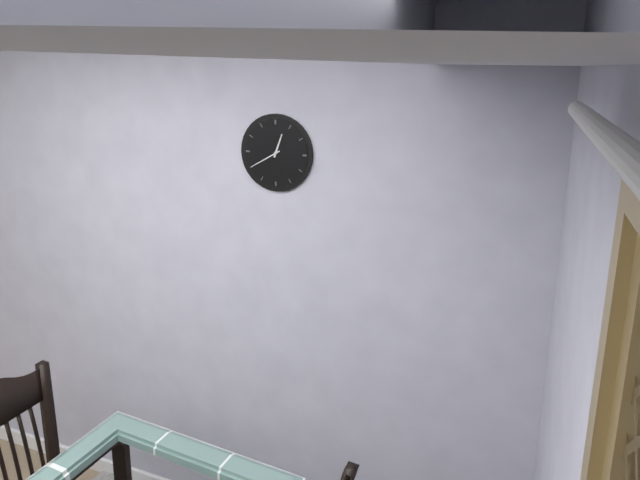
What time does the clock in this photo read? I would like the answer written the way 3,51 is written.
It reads 12,40
